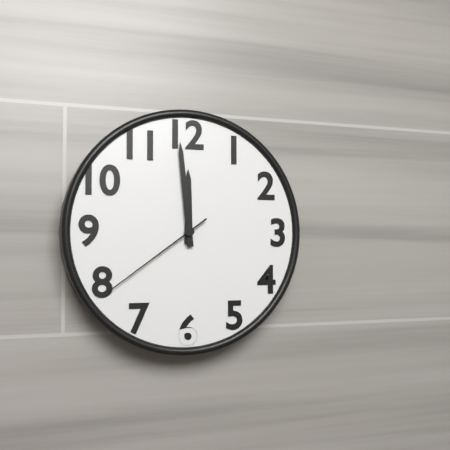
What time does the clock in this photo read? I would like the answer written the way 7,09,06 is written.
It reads 11,59,39
